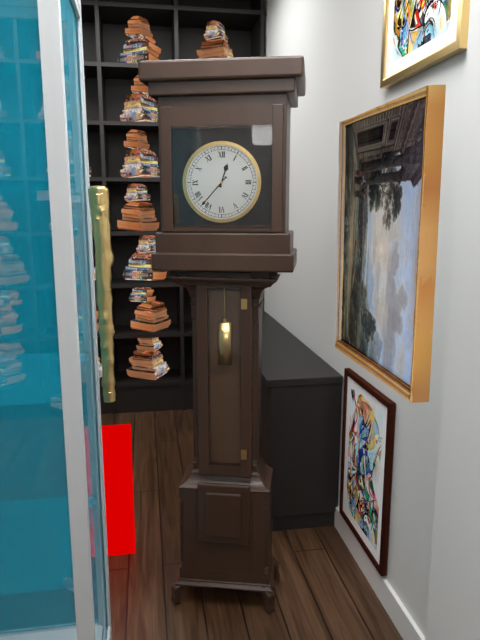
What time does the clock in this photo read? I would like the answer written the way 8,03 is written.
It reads 12,37
